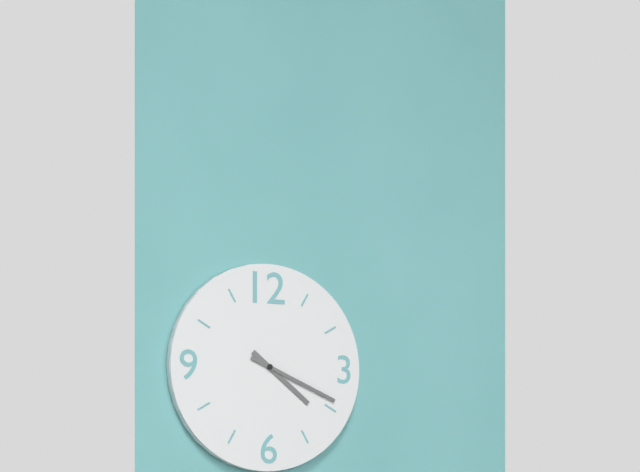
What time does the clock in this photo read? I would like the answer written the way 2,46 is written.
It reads 4,19
